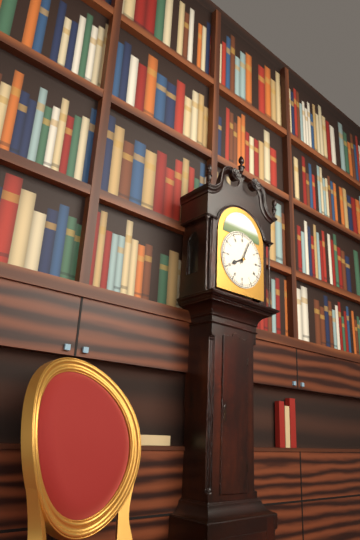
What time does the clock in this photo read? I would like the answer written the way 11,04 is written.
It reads 8,04
